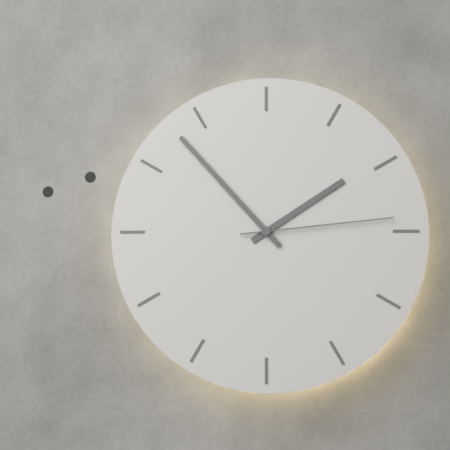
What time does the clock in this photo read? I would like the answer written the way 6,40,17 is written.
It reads 1,53,14
